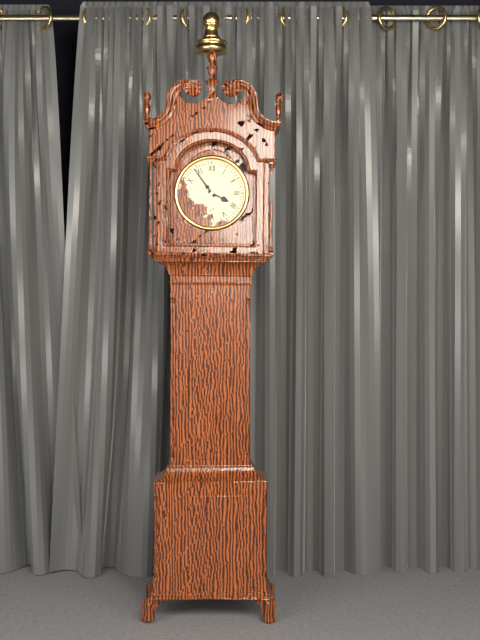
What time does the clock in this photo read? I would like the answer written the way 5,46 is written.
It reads 3,54
